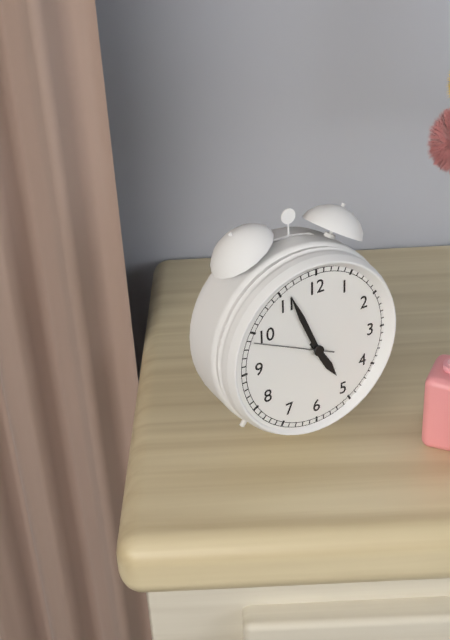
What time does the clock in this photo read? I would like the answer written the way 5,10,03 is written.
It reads 4,56,49
